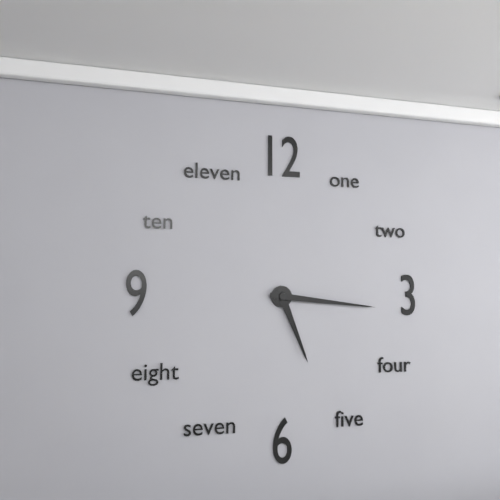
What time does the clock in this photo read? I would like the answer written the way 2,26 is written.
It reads 5,16
